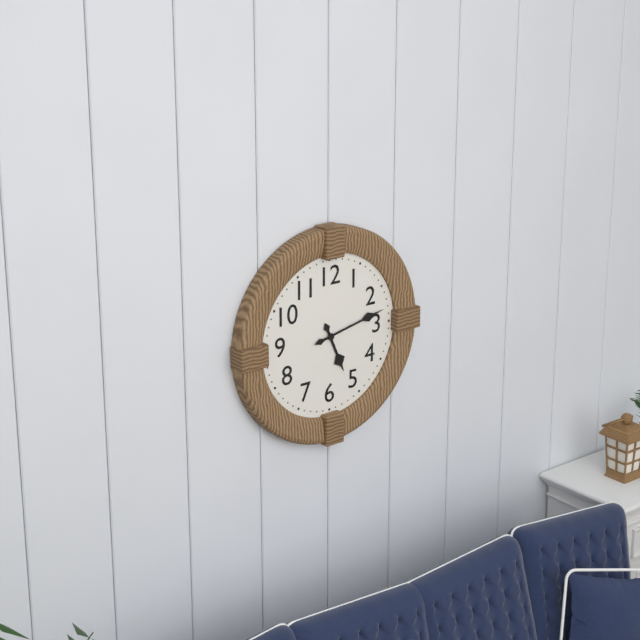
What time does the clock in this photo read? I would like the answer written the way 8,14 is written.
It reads 5,13
